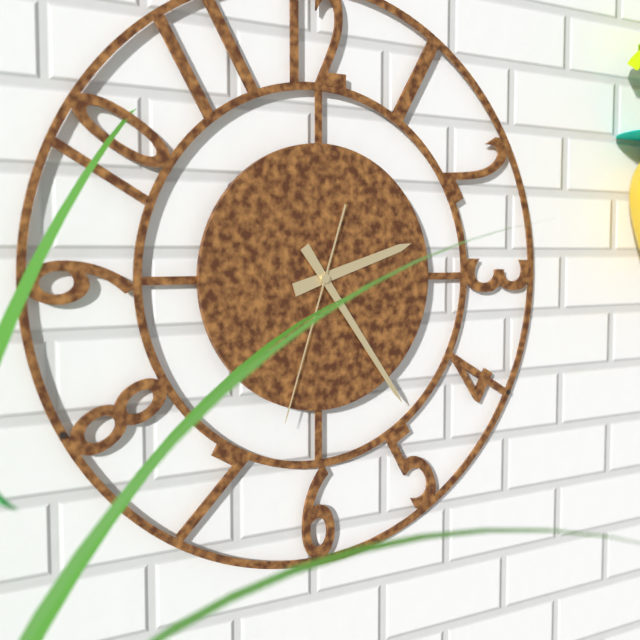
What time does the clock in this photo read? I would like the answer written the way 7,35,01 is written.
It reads 2,24,33
